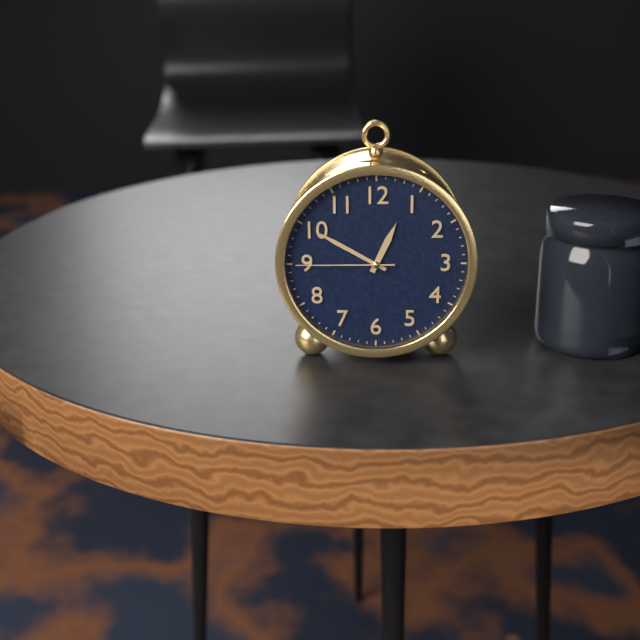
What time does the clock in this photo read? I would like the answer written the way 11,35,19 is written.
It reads 12,50,45
